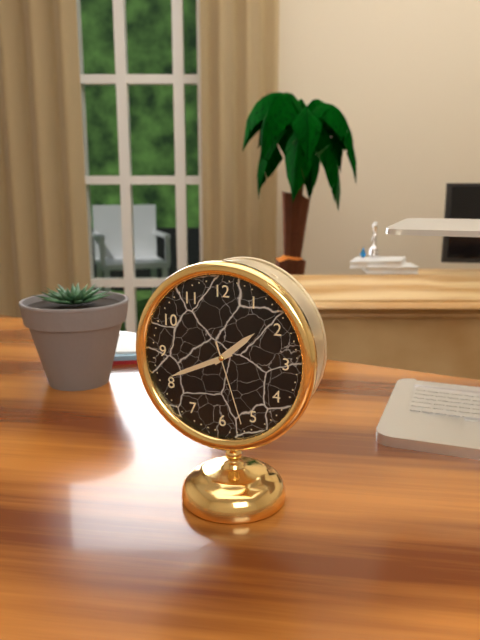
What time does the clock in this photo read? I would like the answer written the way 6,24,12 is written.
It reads 1,41,27
